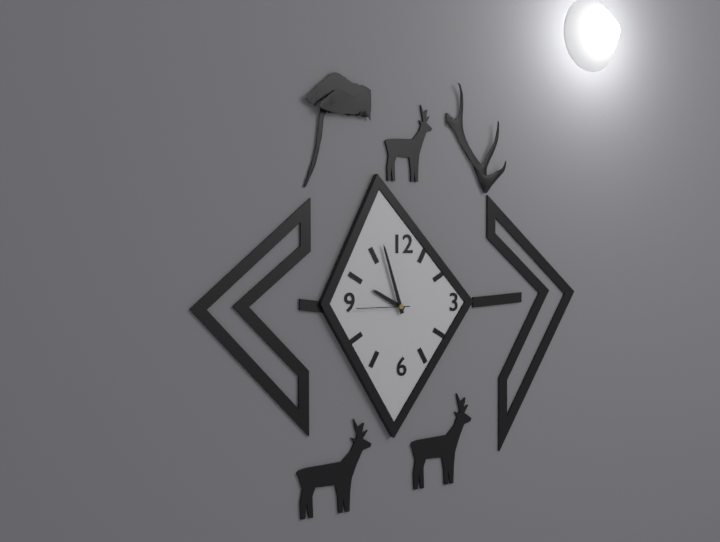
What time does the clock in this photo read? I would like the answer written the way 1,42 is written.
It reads 9,57
